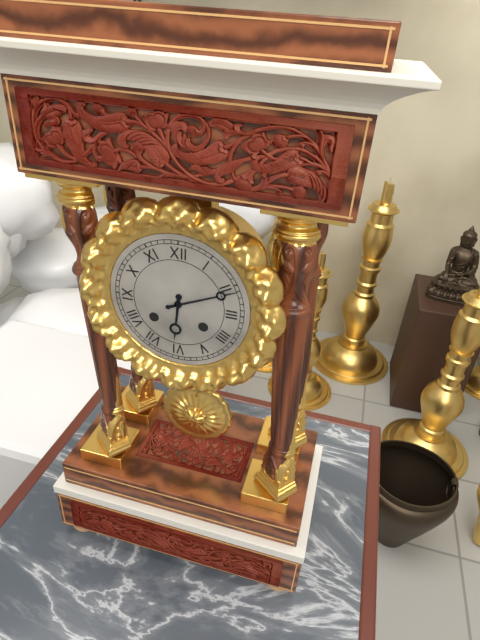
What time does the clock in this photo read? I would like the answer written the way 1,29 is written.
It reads 6,11
